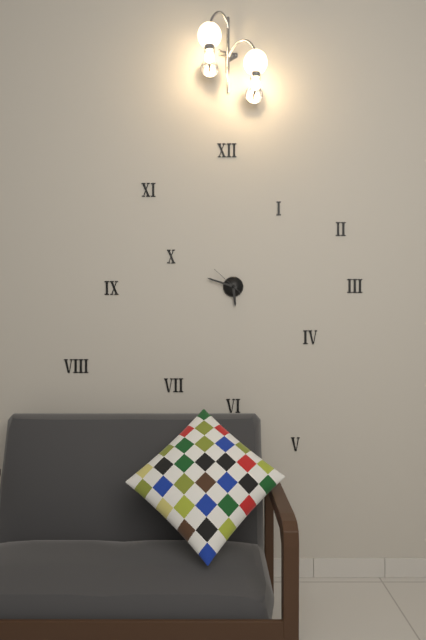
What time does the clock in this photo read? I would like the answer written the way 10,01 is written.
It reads 5,48
